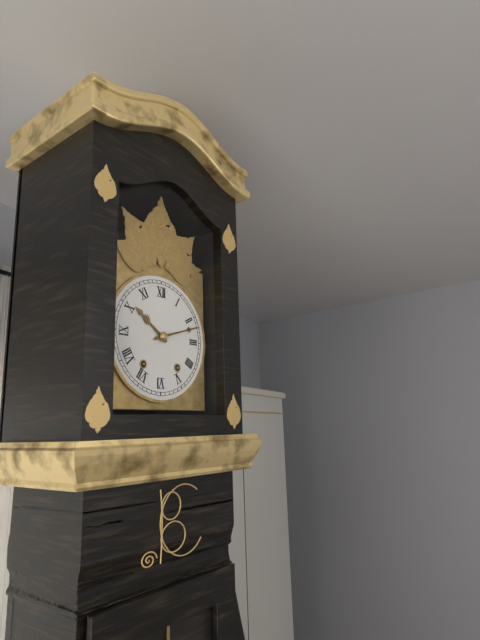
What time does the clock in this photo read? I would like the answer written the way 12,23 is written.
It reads 10,12
